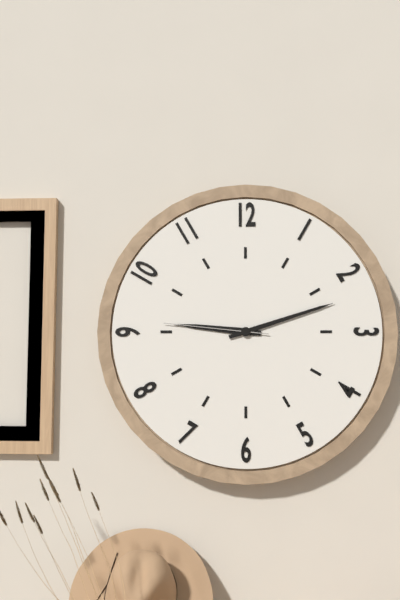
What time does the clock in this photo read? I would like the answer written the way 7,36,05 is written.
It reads 9,12,46
